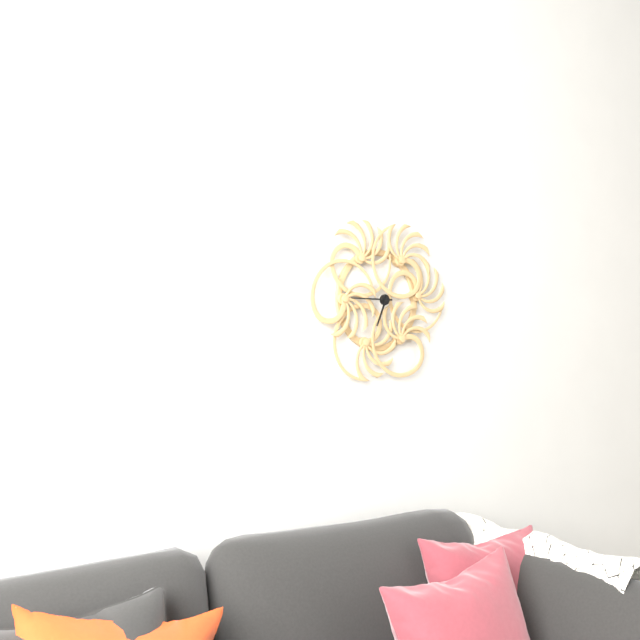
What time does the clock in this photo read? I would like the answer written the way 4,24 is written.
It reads 6,45
